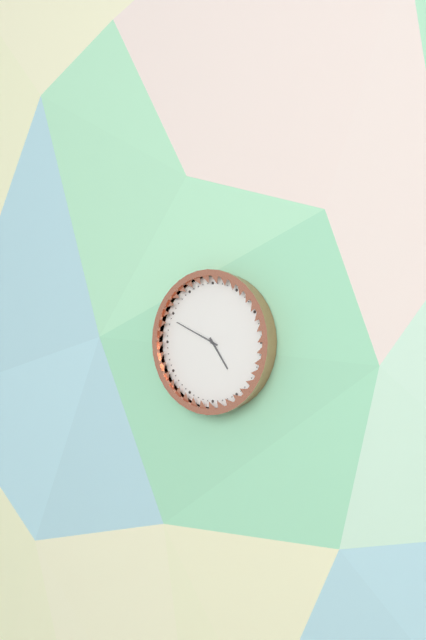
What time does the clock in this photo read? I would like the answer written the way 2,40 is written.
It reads 4,49
